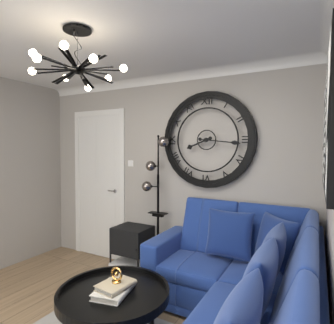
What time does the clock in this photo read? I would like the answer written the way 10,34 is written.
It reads 8,16
